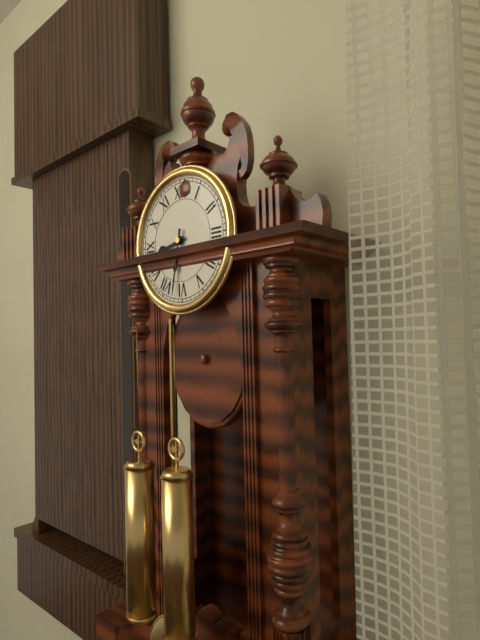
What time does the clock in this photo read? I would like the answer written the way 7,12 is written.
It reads 8,32
